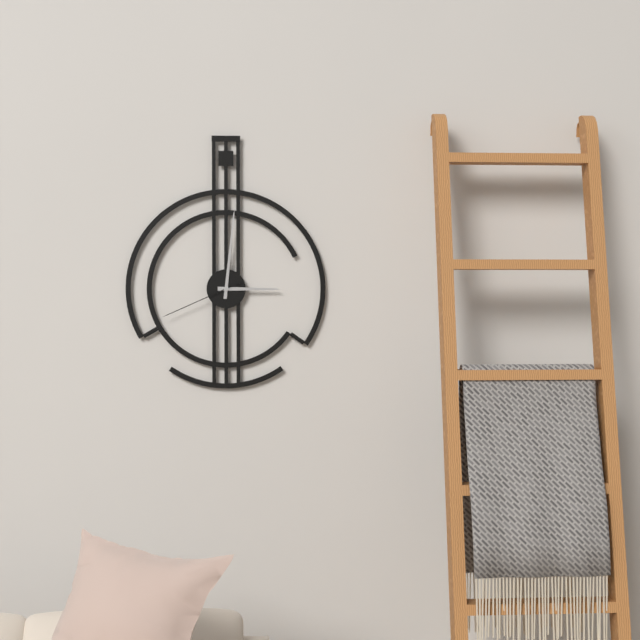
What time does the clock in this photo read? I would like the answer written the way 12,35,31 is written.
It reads 3,01,41
